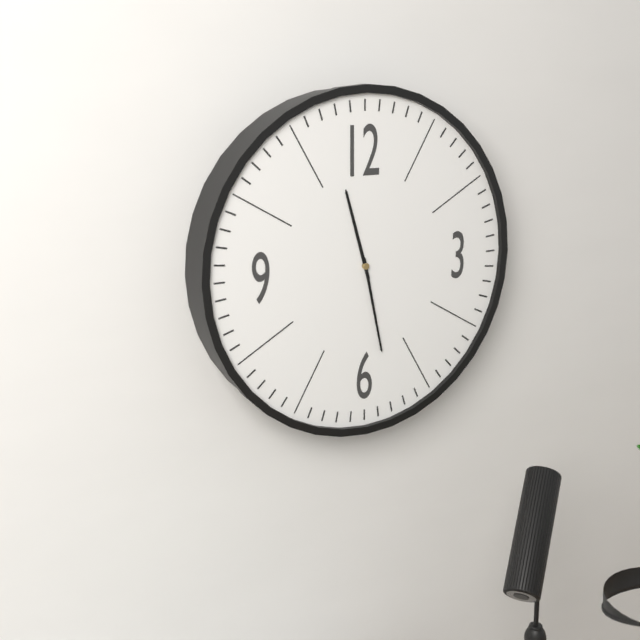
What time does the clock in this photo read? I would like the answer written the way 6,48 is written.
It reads 11,28
